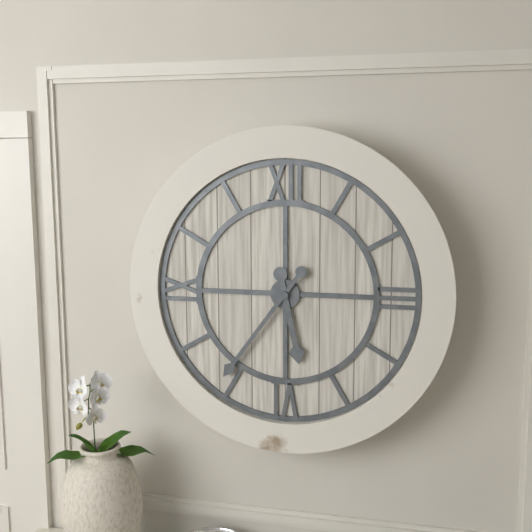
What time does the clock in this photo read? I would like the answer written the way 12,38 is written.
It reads 5,36
